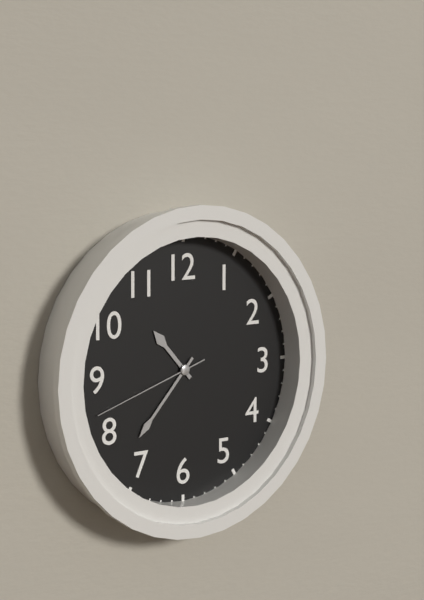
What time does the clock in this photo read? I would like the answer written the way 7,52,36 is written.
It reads 10,37,42
